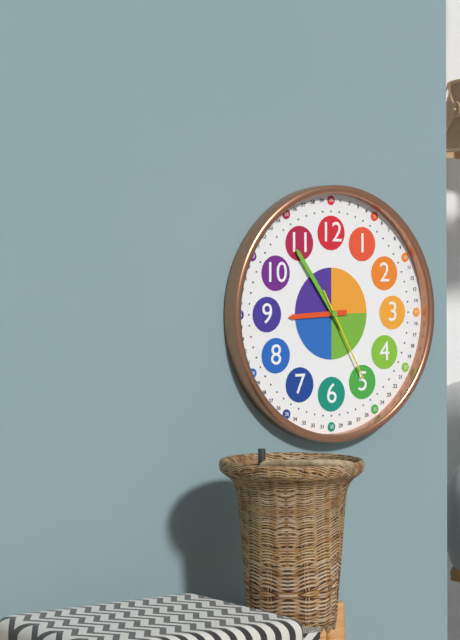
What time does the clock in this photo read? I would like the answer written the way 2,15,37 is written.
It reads 8,54,25
